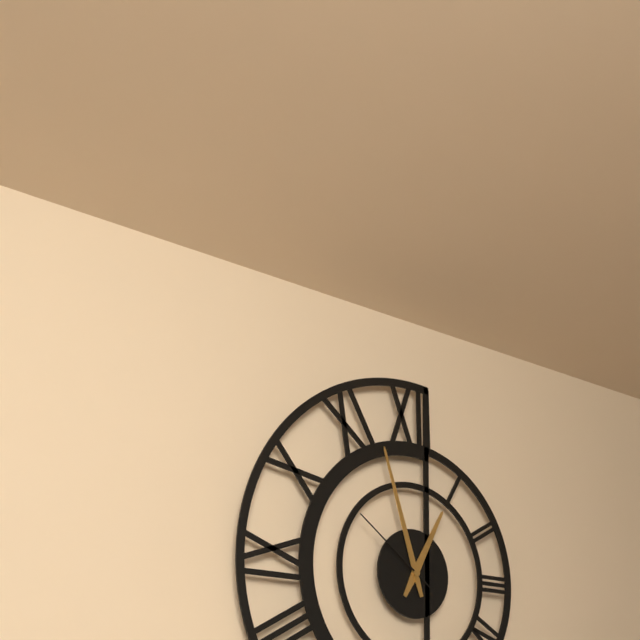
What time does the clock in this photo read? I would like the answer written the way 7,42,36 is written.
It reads 12,57,51
